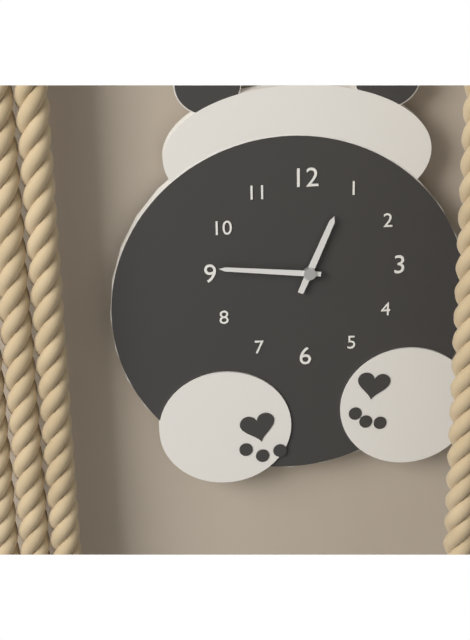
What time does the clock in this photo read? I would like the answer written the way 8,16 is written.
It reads 12,46
